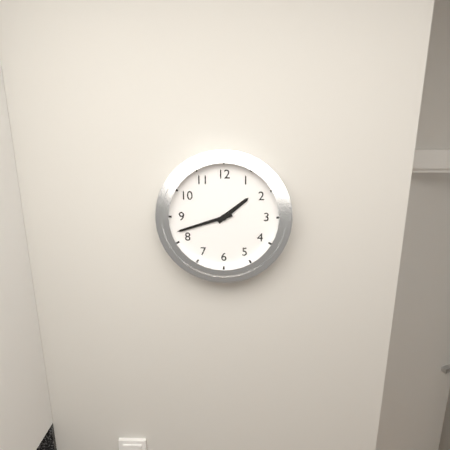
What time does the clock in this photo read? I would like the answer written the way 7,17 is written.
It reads 1,42
